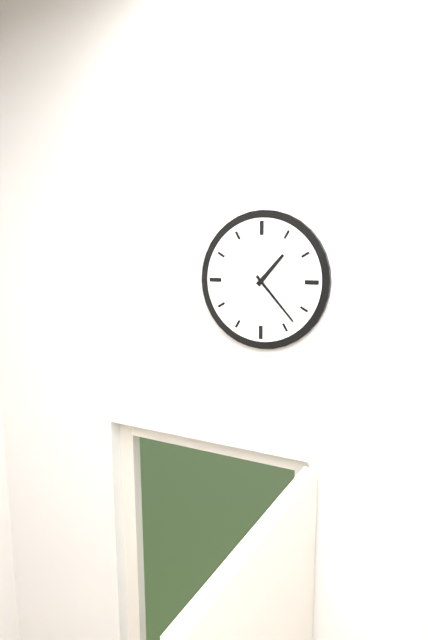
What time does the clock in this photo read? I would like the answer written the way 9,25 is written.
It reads 1,23
